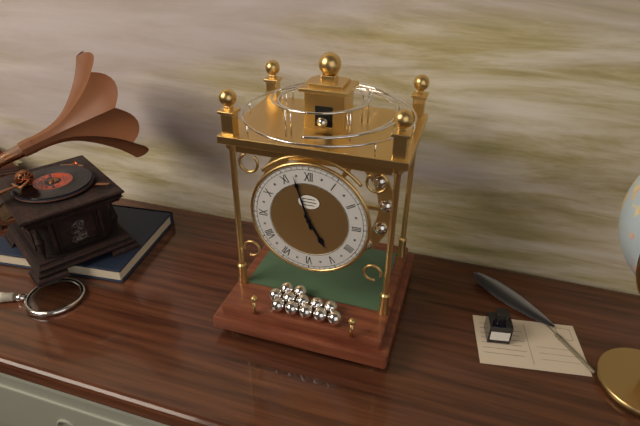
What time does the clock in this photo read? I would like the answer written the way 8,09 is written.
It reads 4,57
